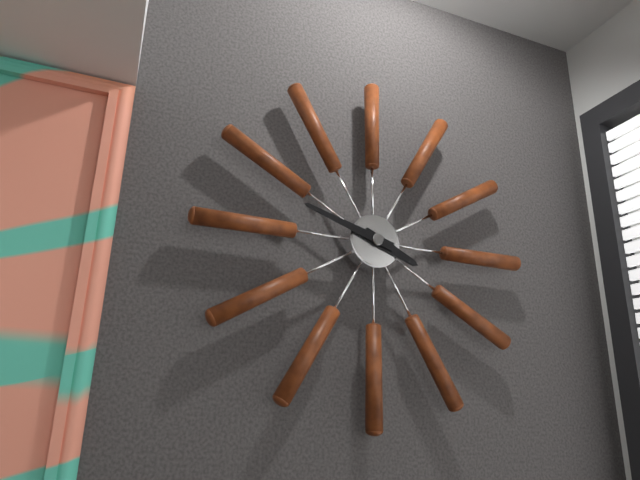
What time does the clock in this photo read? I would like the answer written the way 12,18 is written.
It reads 3,48
